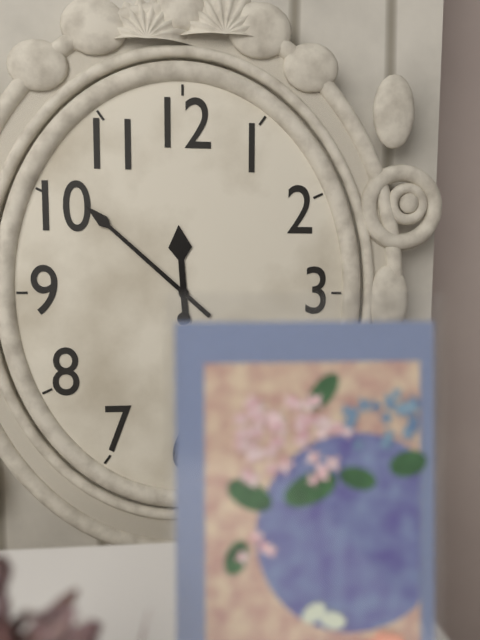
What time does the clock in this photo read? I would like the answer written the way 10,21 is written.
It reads 11,52
